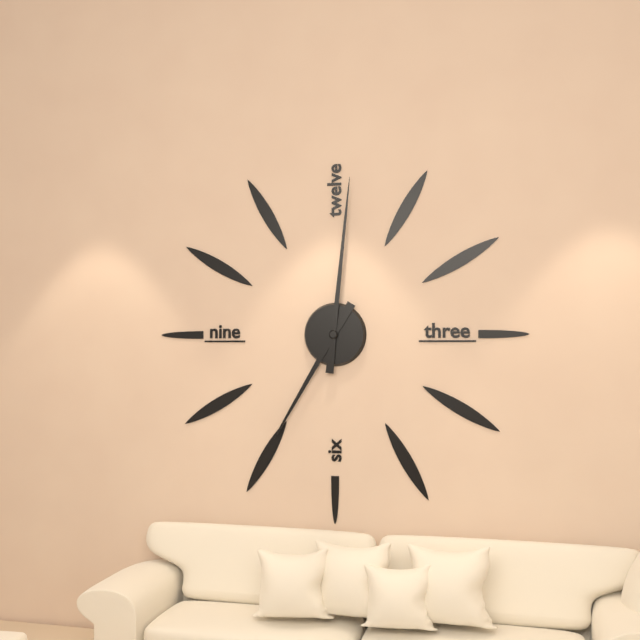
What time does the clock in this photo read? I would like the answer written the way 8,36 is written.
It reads 7,01
